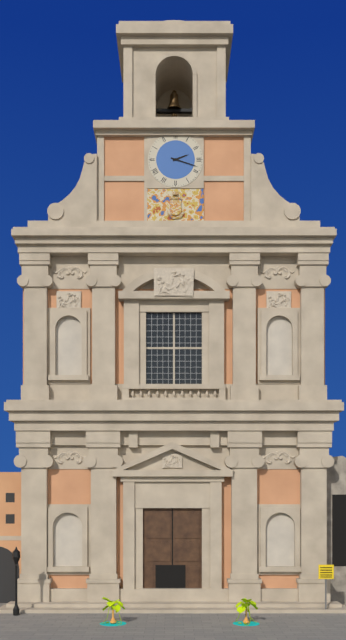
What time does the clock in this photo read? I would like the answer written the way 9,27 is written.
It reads 2,18
